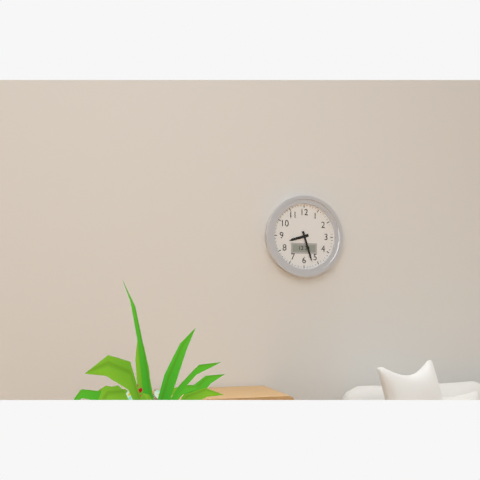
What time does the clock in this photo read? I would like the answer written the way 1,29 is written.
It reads 8,27
